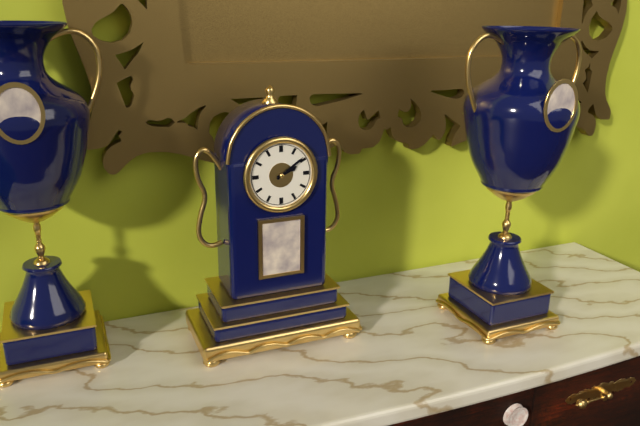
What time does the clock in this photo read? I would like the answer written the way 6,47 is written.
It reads 2,09
